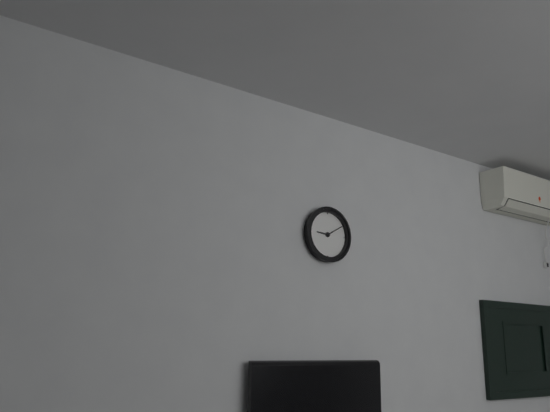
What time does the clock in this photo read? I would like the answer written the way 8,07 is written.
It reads 9,10
